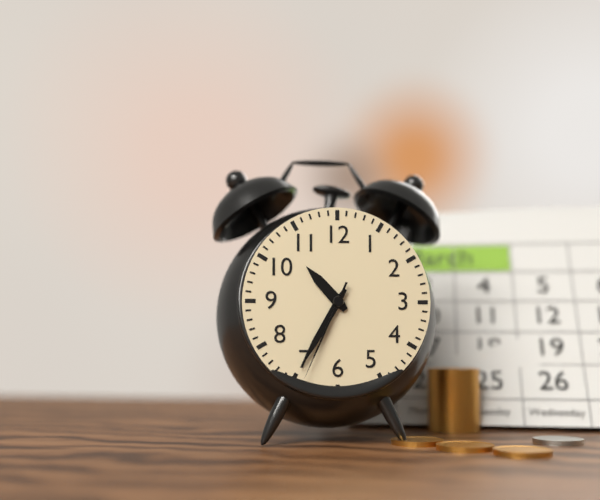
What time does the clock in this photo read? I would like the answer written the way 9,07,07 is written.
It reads 10,35,34
